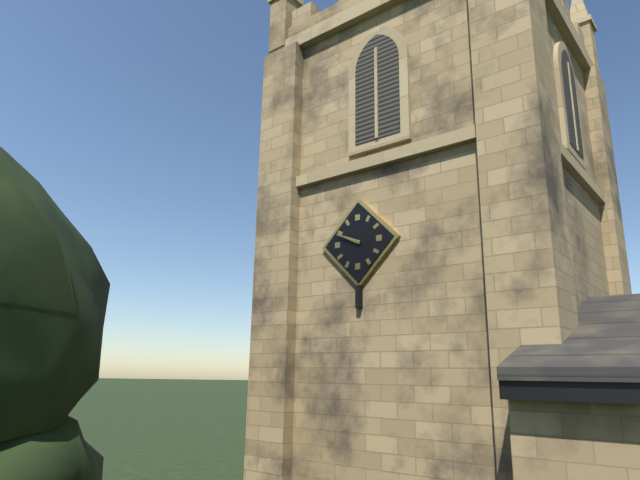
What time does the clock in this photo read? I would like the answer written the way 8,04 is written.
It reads 9,49
